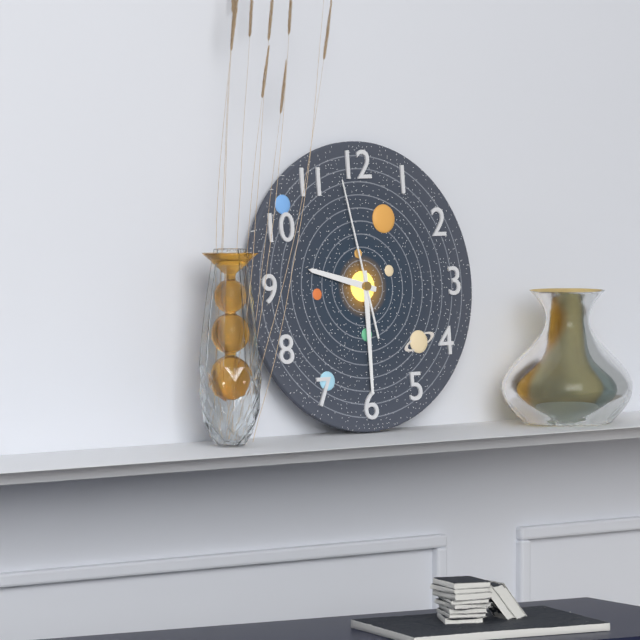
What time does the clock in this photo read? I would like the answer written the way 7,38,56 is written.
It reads 9,30,58
